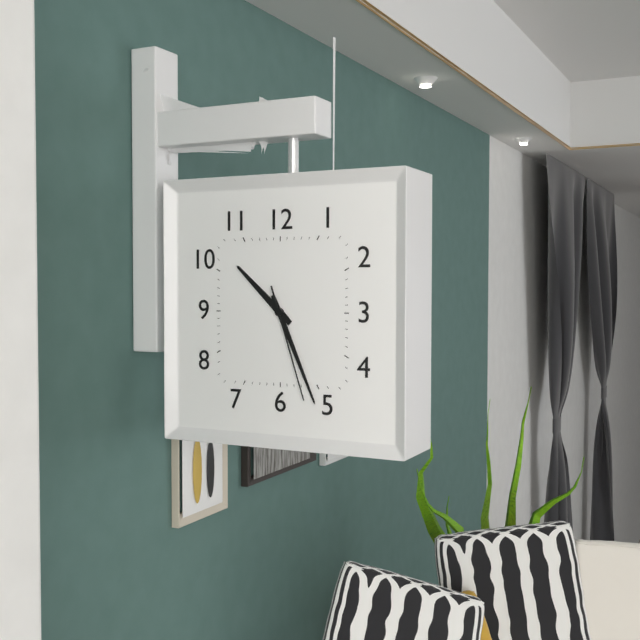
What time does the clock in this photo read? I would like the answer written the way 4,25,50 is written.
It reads 10,26,27
